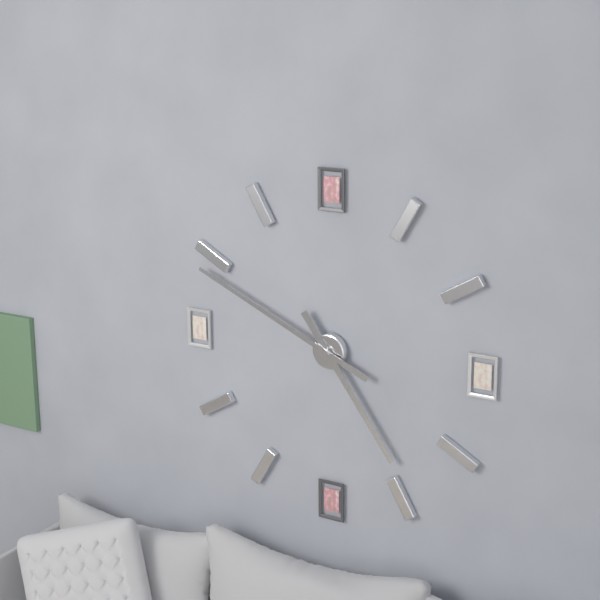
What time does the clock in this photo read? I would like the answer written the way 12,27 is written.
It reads 4,49
